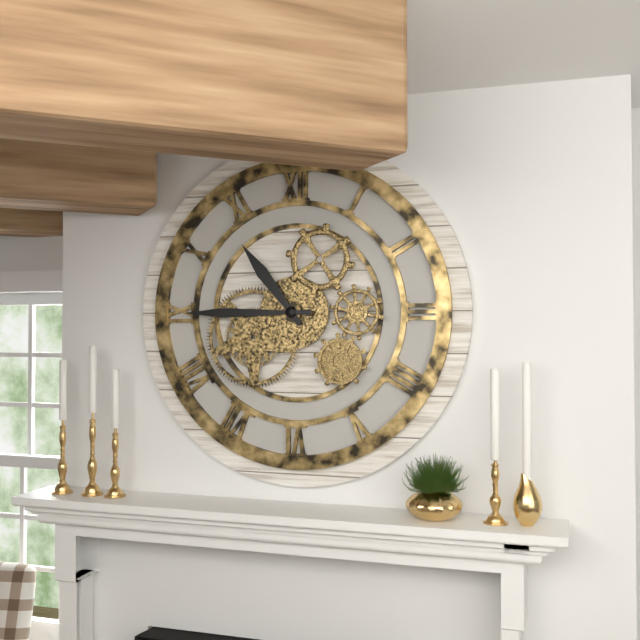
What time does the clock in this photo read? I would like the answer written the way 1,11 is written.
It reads 10,45
